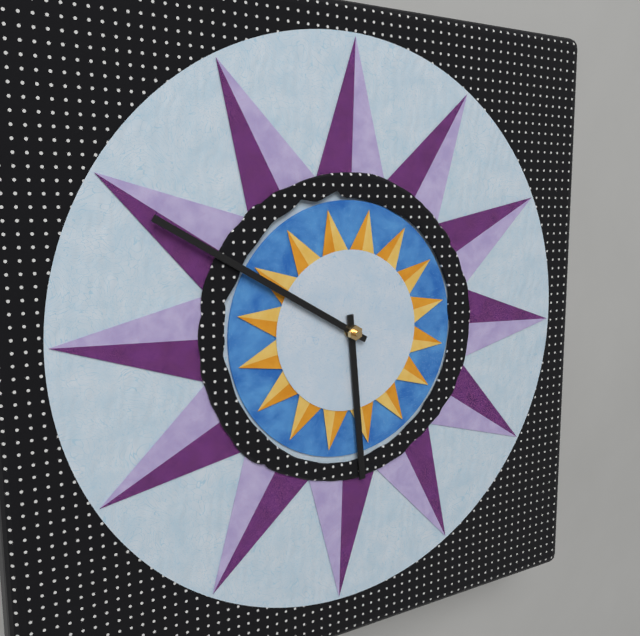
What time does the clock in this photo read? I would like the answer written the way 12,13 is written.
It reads 5,50
